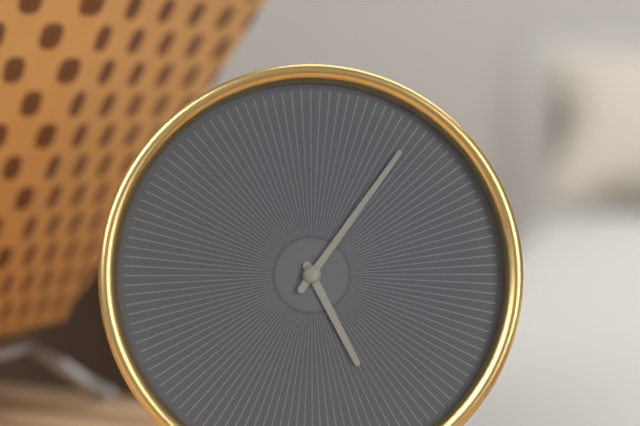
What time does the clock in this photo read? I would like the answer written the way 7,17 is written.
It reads 5,06
